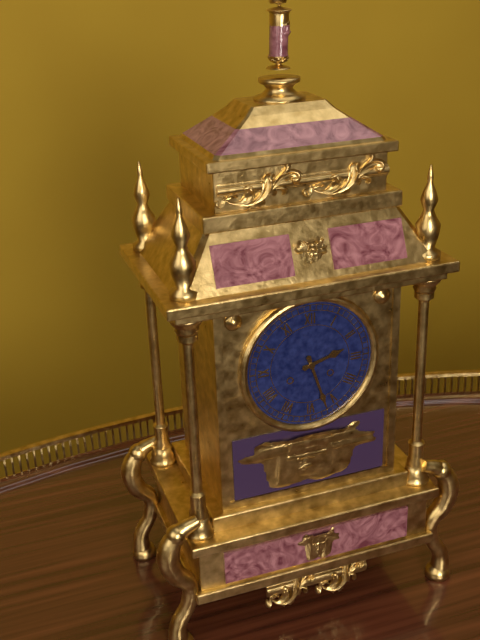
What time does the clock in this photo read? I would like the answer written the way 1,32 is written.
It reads 2,27
